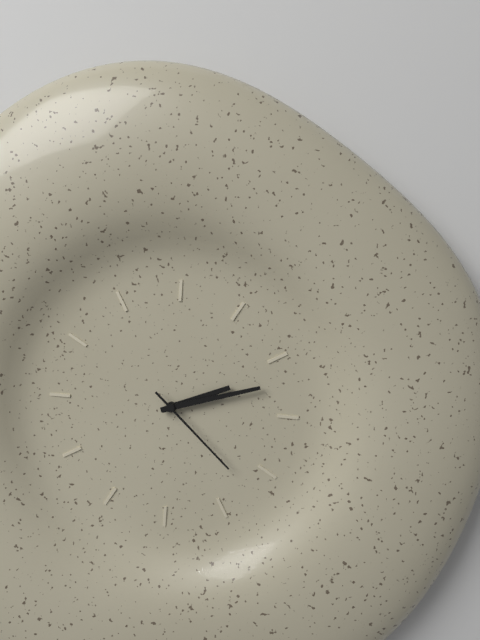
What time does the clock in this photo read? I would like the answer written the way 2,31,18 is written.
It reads 2,12,22
